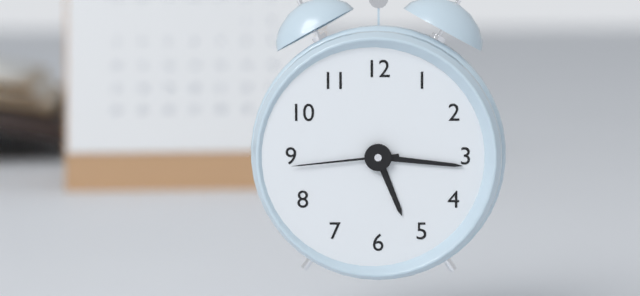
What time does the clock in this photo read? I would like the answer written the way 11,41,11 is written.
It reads 5,16,44
